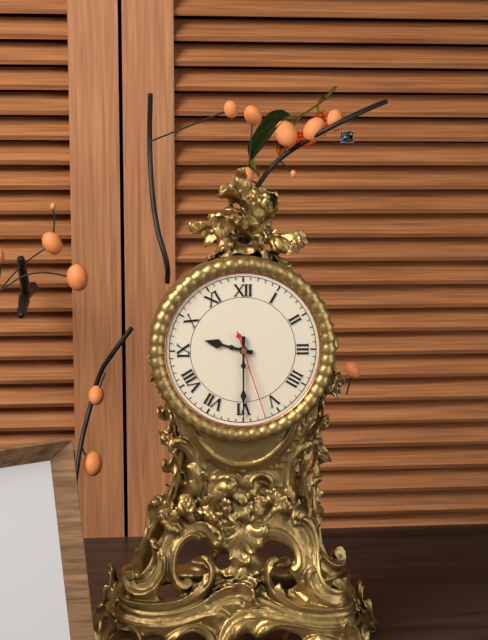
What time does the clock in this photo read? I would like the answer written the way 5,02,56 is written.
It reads 9,30,27
